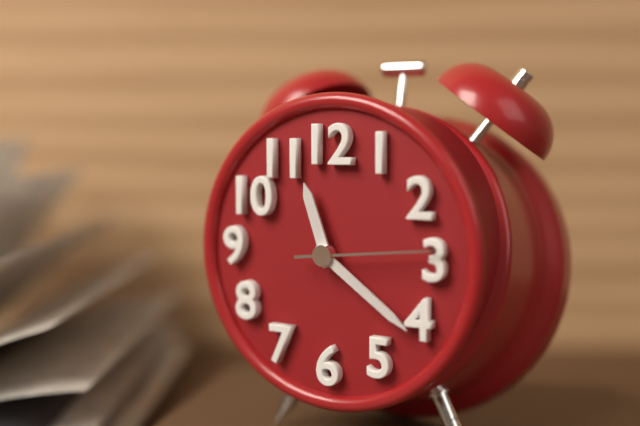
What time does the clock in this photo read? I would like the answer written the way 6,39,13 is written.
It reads 11,21,14
